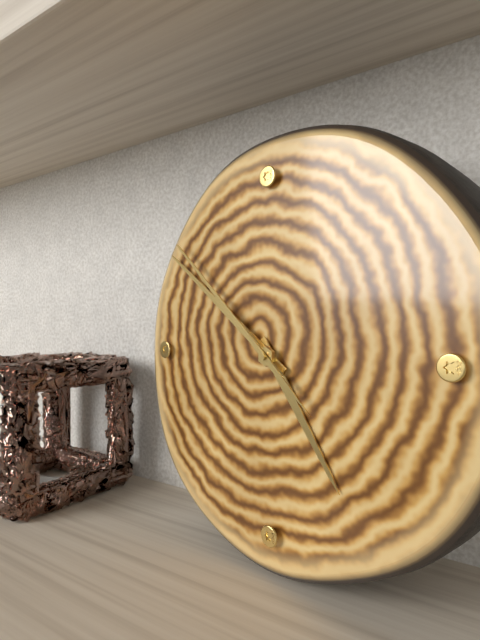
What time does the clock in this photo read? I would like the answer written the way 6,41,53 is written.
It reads 4,51,52
